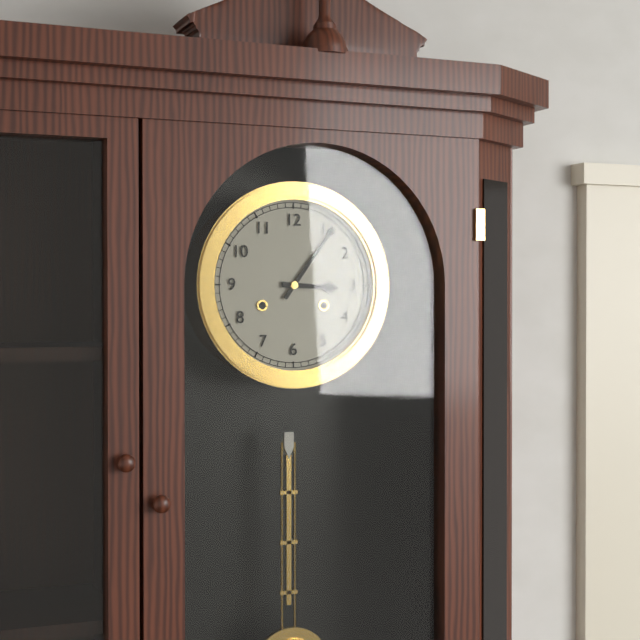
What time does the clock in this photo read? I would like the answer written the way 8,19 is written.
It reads 3,06
